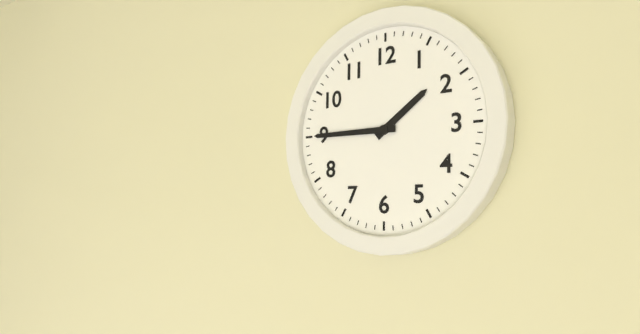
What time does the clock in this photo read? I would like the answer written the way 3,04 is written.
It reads 1,45
